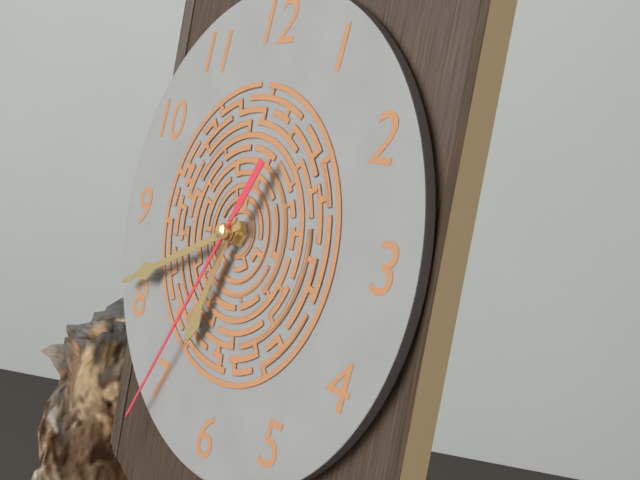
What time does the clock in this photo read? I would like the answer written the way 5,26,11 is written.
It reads 6,41,35
